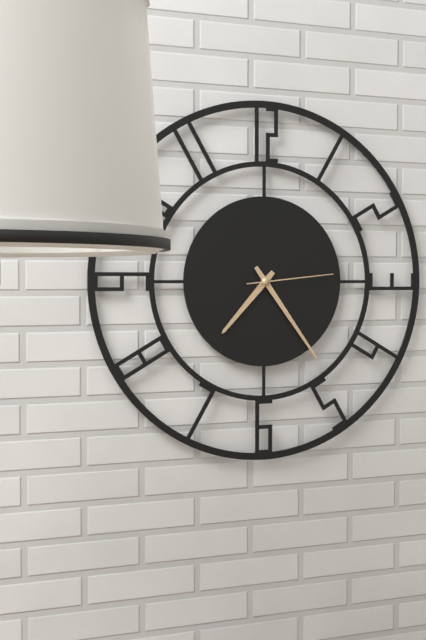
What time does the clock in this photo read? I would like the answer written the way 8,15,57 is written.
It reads 7,24,14
